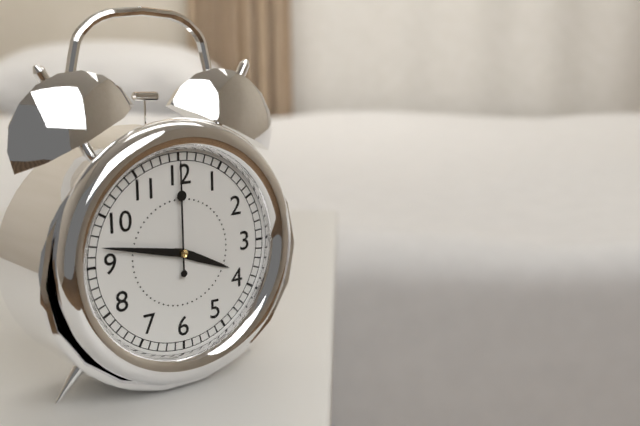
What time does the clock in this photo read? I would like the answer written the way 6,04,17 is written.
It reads 3,47,00
